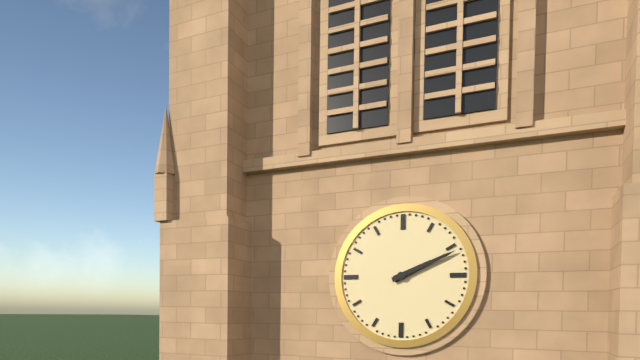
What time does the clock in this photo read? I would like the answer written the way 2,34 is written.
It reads 2,11
